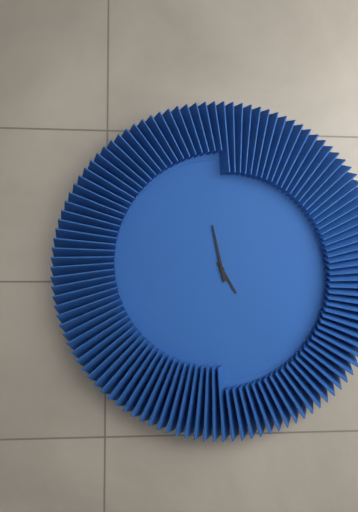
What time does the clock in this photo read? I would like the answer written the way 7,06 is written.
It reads 4,58
